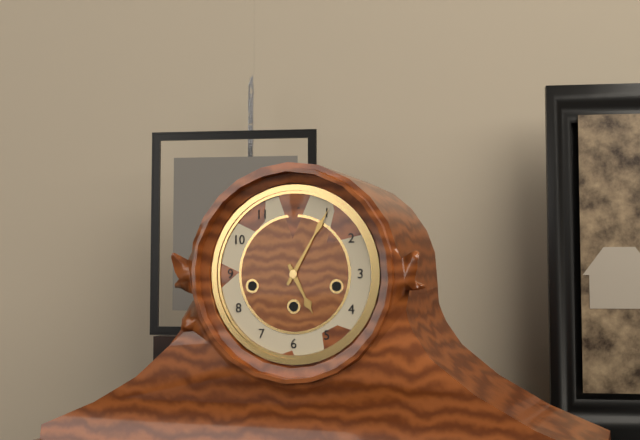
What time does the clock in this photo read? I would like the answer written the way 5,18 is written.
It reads 5,05
